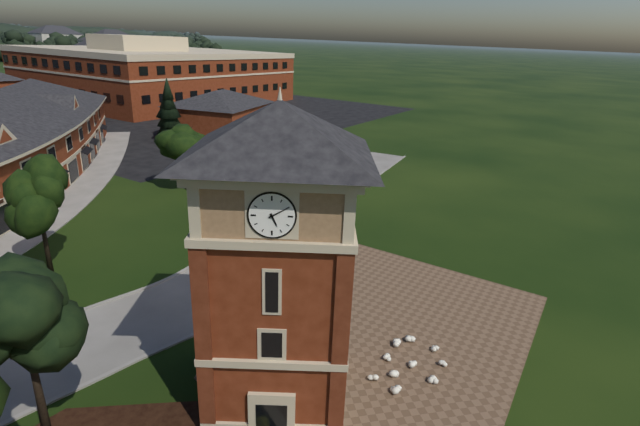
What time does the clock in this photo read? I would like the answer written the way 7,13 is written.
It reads 5,10
